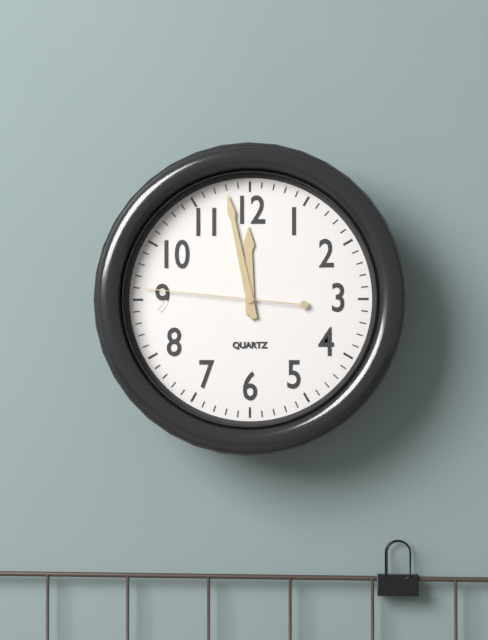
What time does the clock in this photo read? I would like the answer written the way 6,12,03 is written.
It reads 11,58,46
